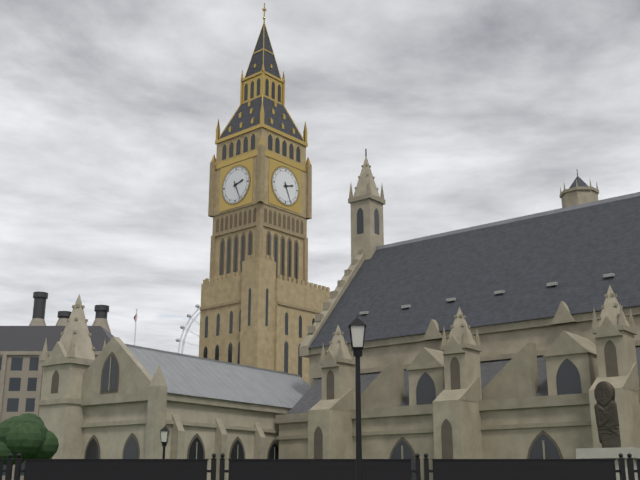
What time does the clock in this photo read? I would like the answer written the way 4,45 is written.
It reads 2,26
